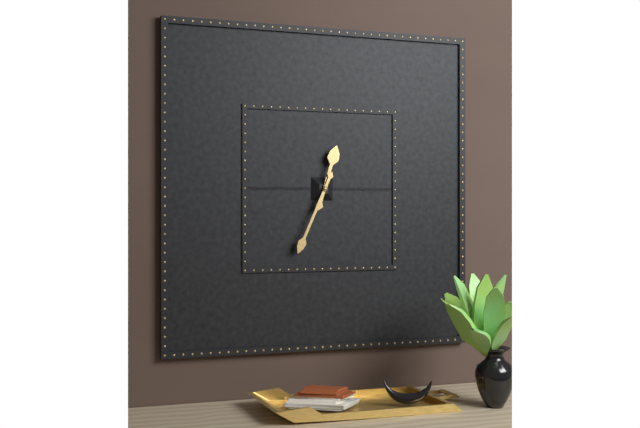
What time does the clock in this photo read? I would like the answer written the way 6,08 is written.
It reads 12,34
